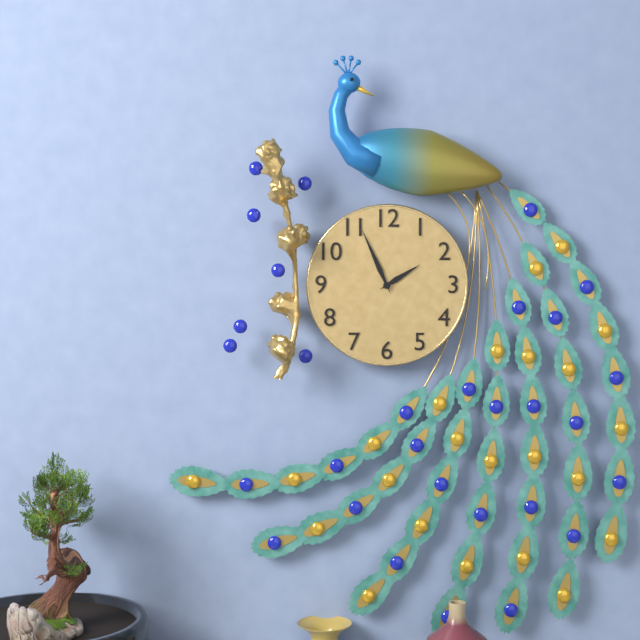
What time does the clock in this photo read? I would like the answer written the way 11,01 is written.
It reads 1,56
